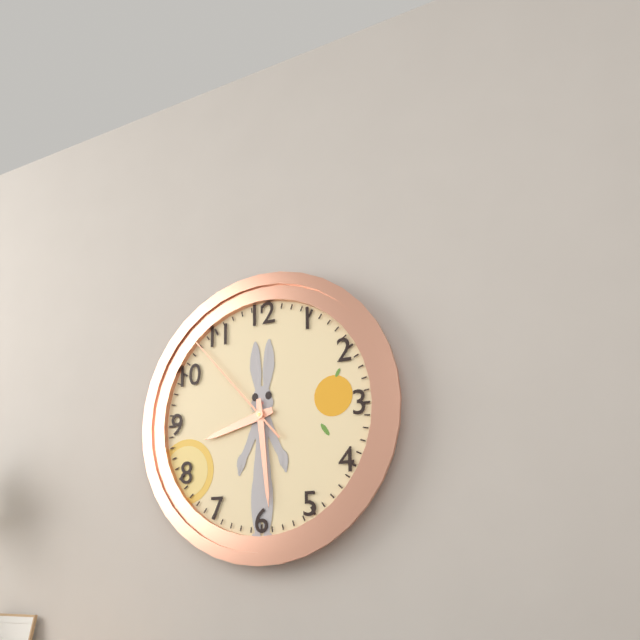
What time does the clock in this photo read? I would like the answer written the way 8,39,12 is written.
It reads 8,29,53
